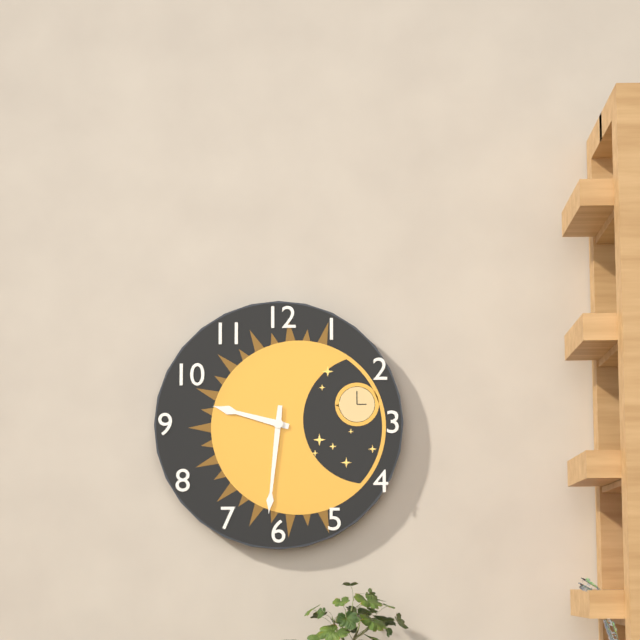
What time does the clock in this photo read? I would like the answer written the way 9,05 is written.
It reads 9,31
